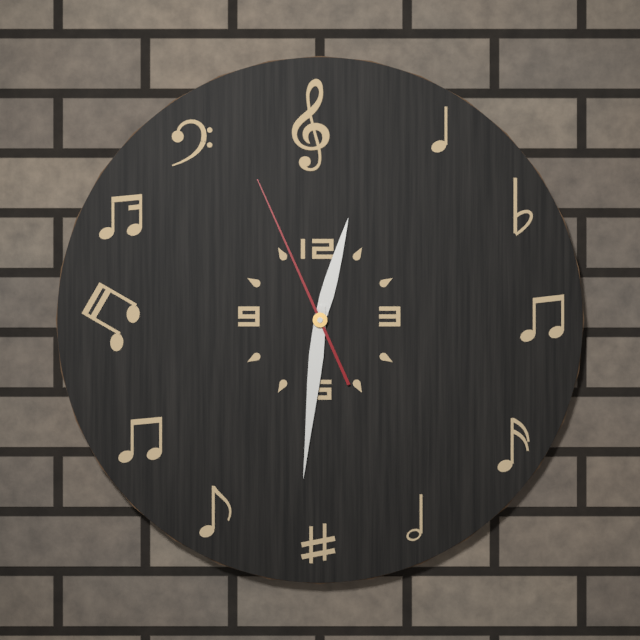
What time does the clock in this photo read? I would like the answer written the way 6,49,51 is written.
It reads 12,31,56
